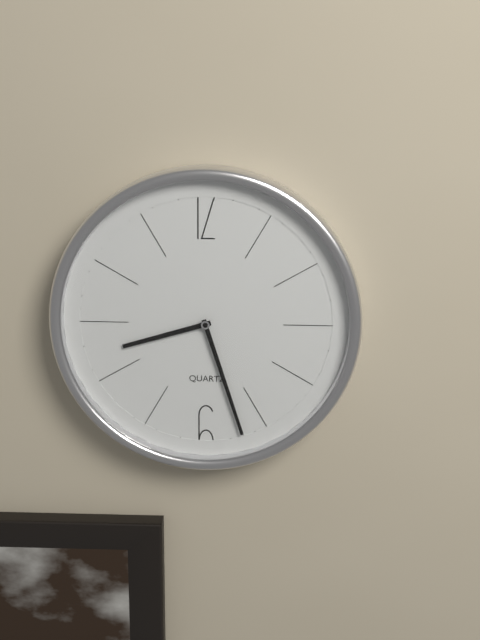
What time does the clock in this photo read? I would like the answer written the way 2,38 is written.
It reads 8,27
